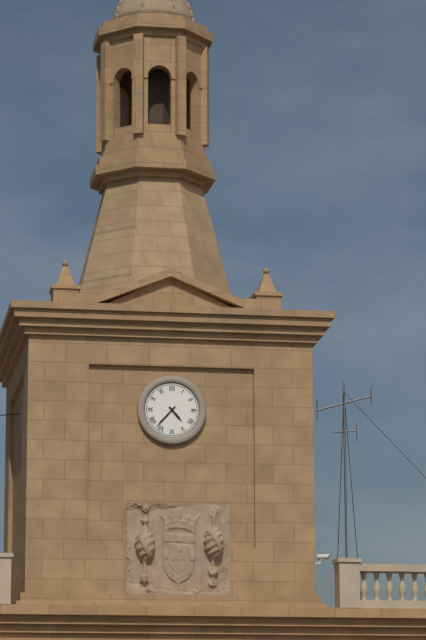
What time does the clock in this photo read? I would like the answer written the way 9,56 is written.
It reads 4,37
